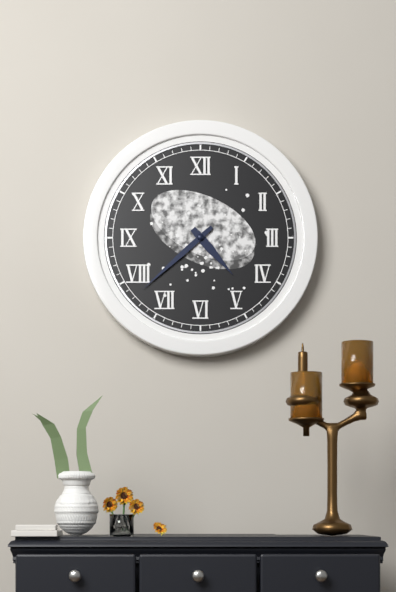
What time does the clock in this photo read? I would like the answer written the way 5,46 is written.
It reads 4,38
